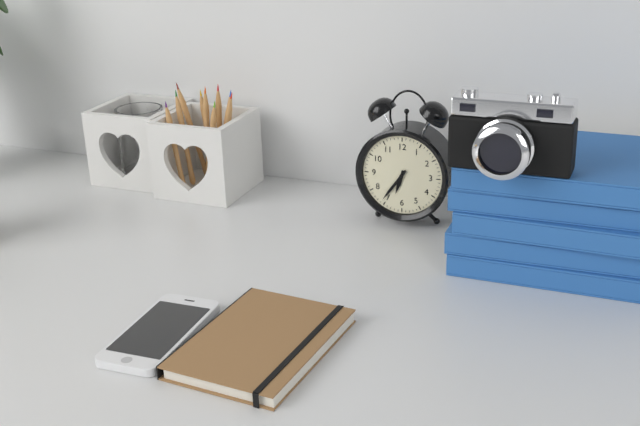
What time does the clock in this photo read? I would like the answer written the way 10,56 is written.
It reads 6,36
